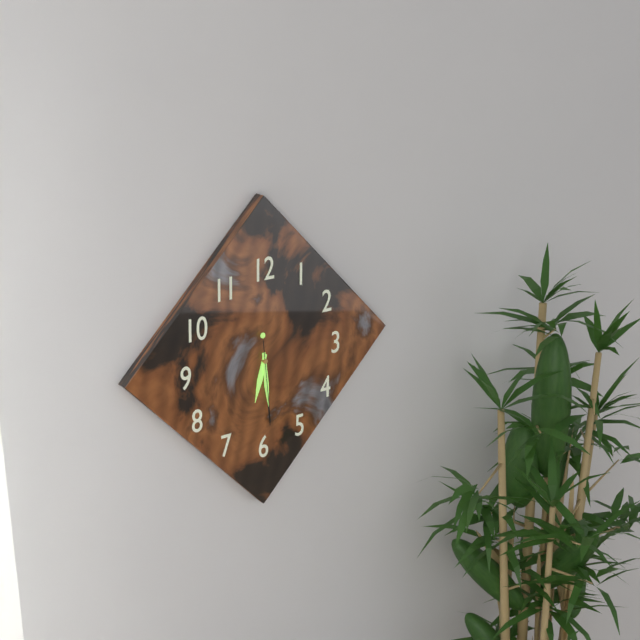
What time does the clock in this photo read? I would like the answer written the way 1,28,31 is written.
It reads 6,29,29
